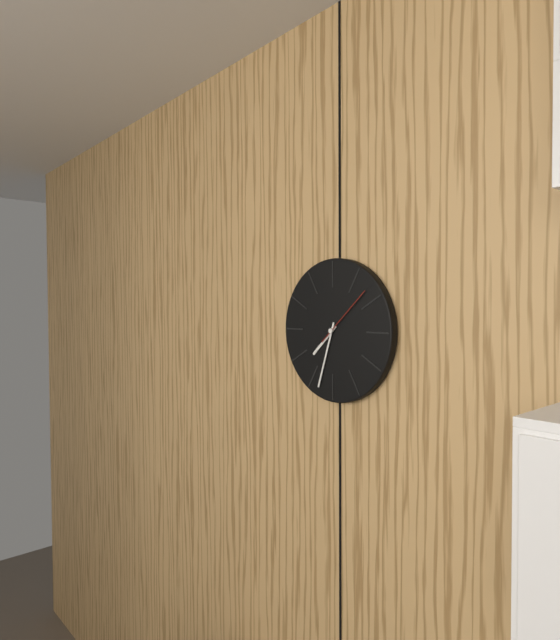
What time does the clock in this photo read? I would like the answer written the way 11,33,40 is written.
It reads 7,33,08
